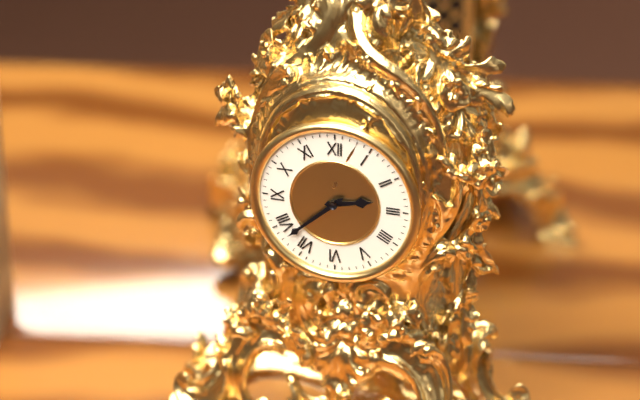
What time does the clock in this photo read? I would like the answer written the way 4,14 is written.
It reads 2,38
